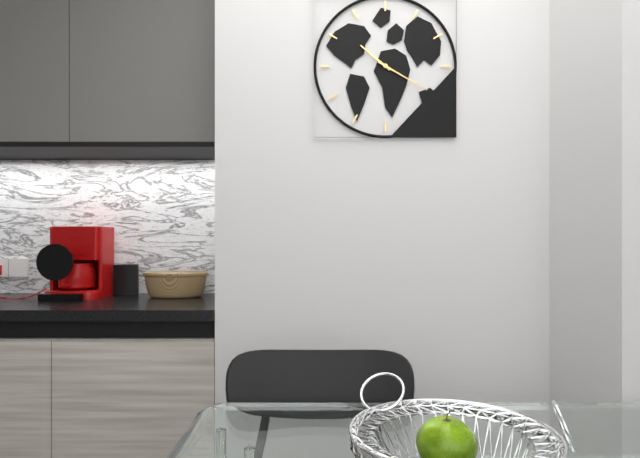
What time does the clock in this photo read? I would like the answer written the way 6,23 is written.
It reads 10,20
